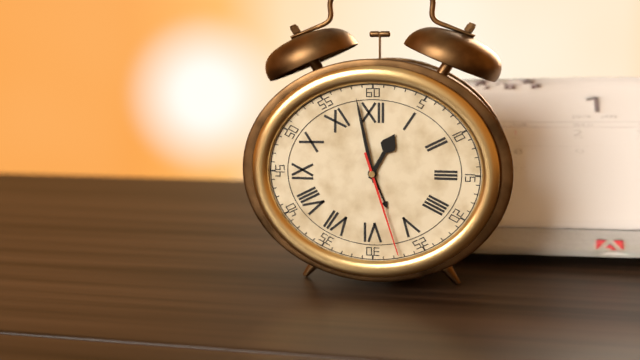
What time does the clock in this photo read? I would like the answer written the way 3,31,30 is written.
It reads 12,58,27
